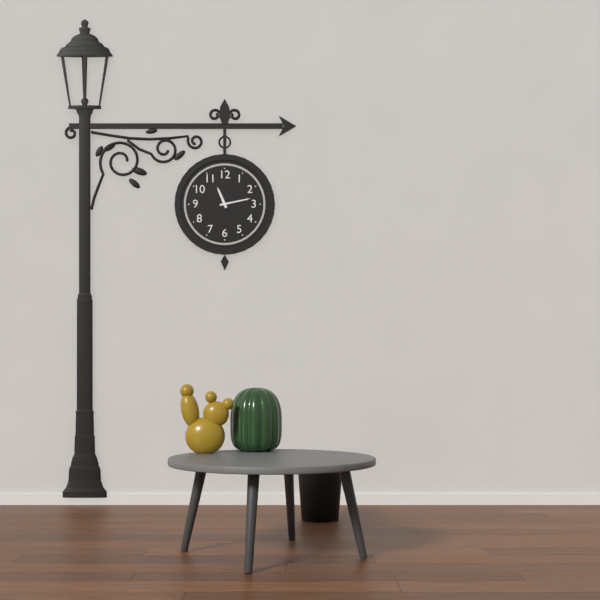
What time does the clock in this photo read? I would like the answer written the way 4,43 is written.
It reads 11,13
